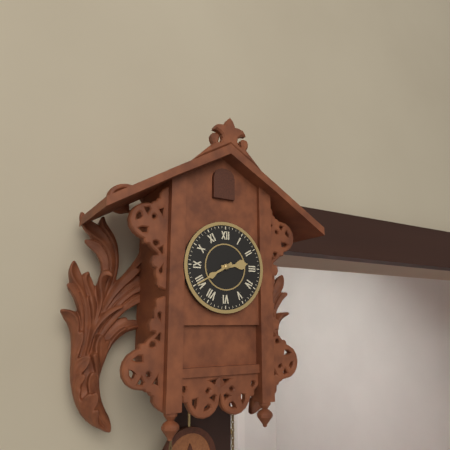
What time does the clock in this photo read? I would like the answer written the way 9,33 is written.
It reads 2,40
